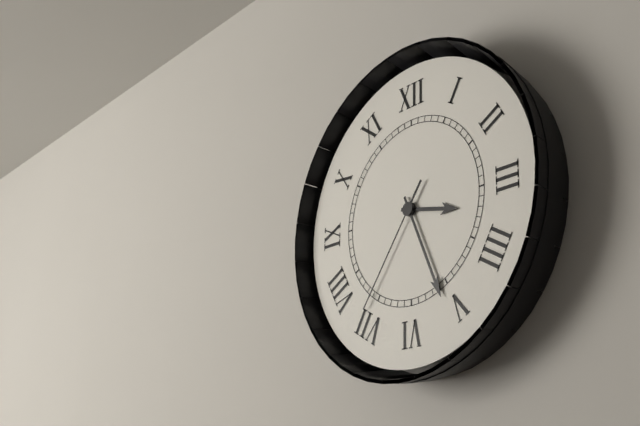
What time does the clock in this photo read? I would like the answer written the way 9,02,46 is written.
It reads 3,26,36
